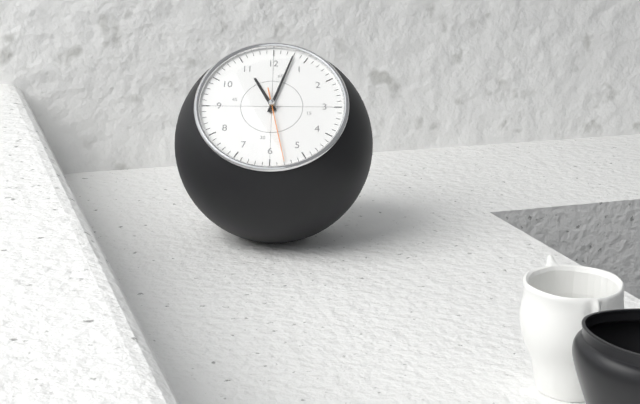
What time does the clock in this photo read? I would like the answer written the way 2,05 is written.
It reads 11,03
